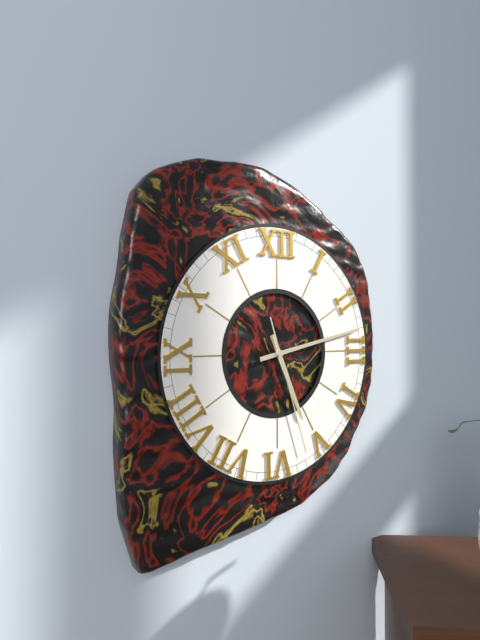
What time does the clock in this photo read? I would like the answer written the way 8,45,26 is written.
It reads 5,13,27
